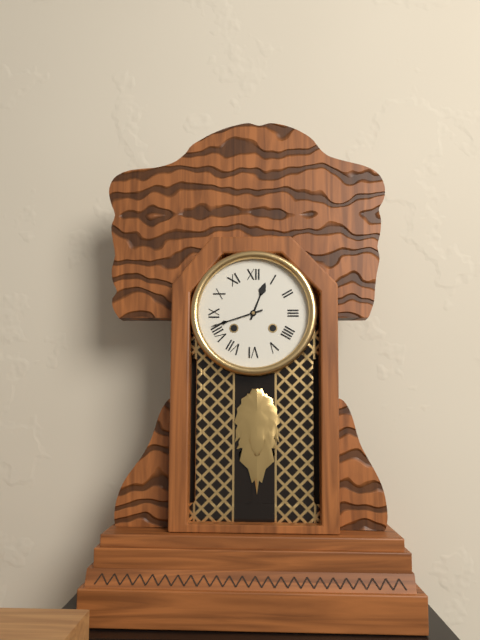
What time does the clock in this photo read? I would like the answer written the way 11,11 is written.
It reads 12,42
